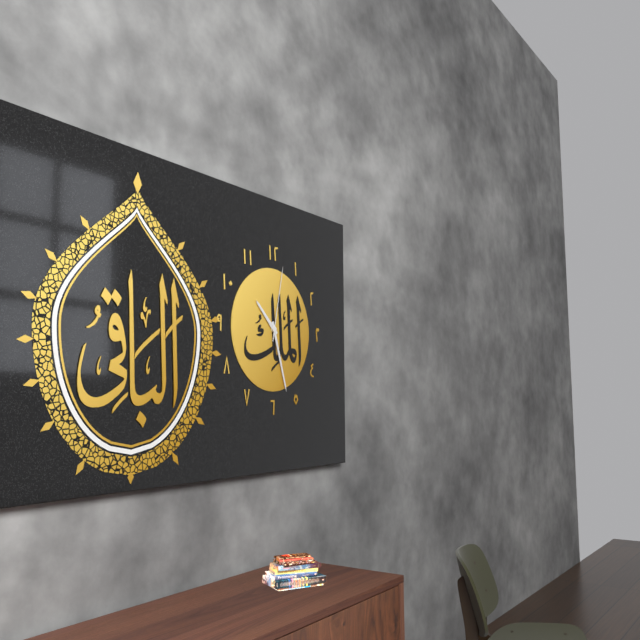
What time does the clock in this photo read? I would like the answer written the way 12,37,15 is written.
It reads 10,27,02
